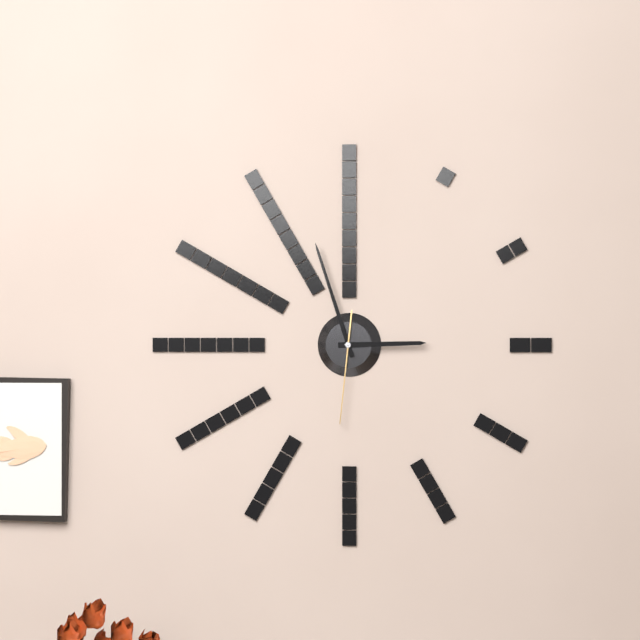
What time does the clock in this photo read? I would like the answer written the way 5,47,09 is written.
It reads 2,57,31
